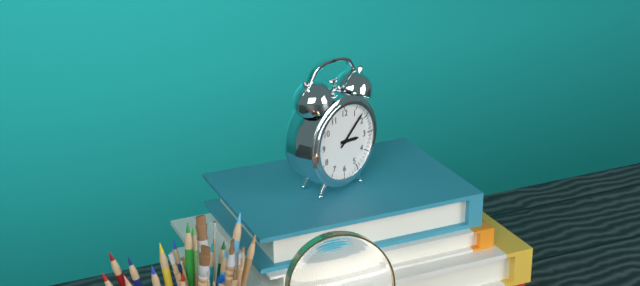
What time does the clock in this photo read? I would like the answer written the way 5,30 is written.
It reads 3,08
